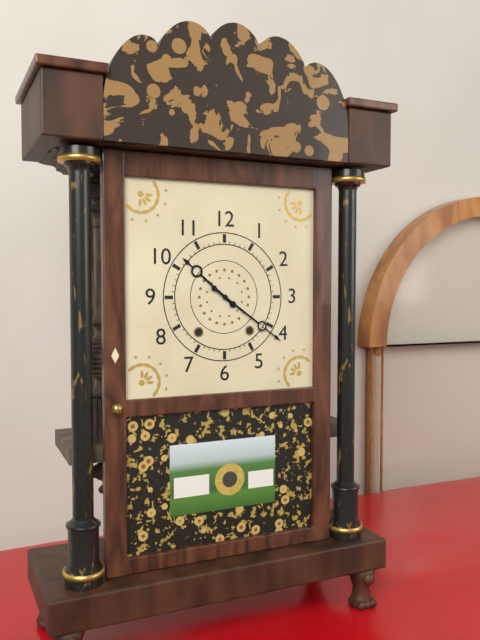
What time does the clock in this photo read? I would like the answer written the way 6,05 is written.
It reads 10,21
